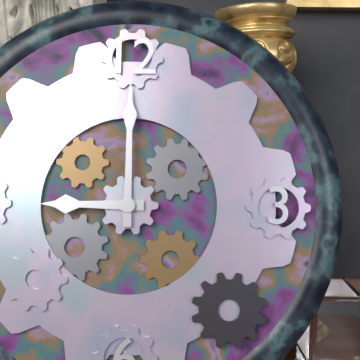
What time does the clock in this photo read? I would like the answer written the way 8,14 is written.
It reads 9,00
